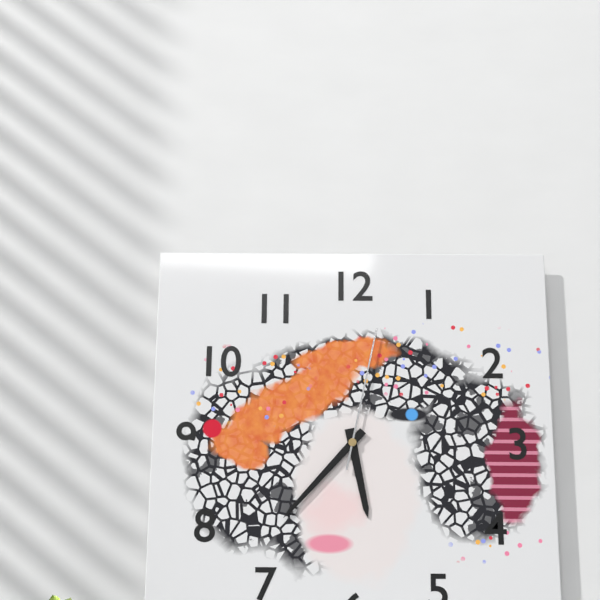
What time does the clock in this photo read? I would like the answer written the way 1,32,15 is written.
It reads 5,37,02
